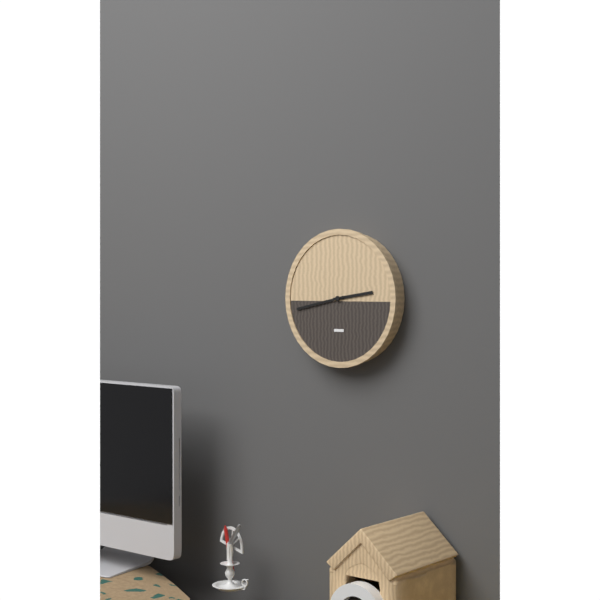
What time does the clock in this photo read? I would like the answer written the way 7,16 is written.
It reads 2,43
